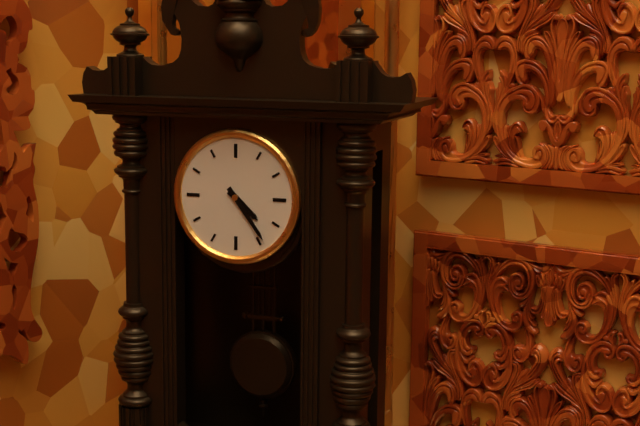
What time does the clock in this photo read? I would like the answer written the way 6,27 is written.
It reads 4,24
